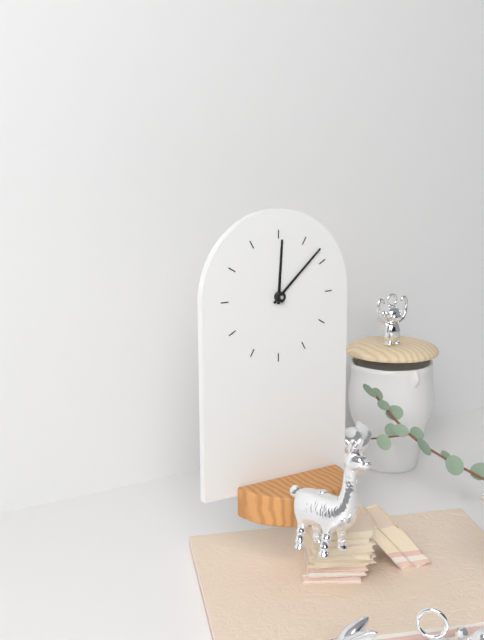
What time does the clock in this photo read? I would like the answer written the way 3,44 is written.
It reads 12,08
